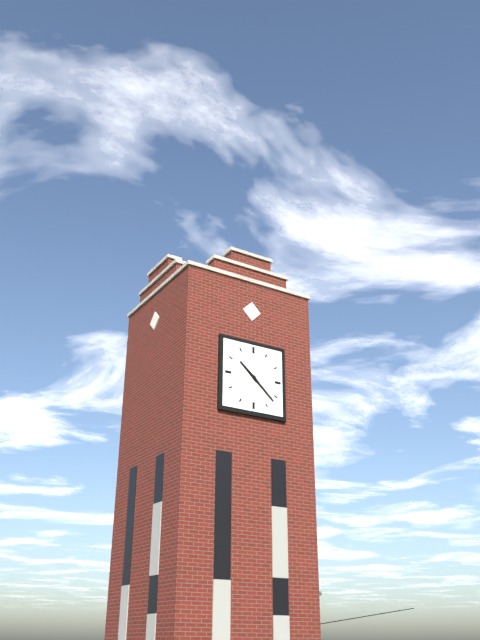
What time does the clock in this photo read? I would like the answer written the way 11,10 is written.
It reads 10,22
